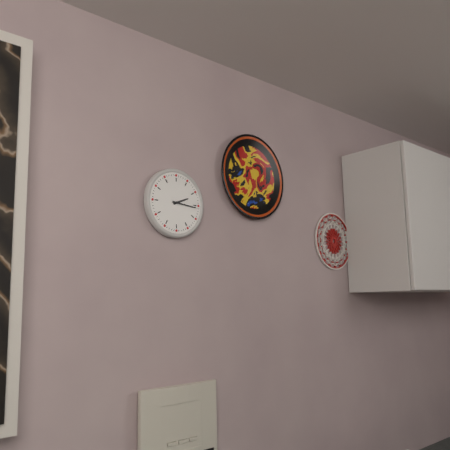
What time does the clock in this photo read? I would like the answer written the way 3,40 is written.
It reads 2,16
